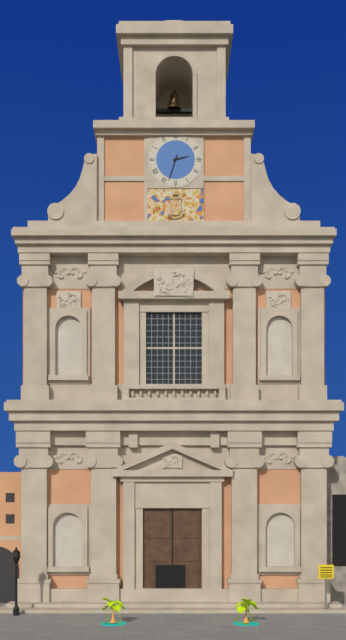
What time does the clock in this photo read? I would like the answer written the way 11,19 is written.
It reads 2,33
